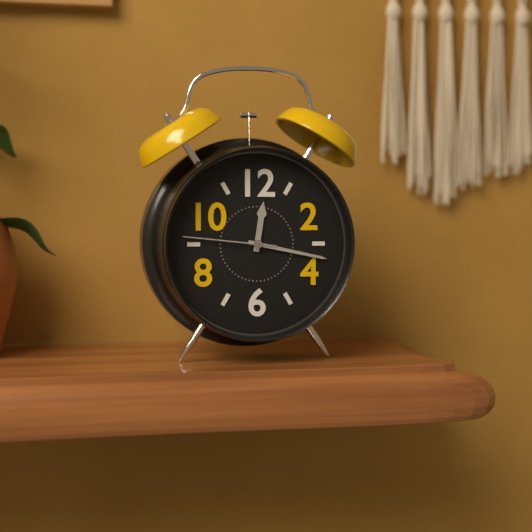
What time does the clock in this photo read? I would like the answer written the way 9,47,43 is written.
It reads 12,17,46
